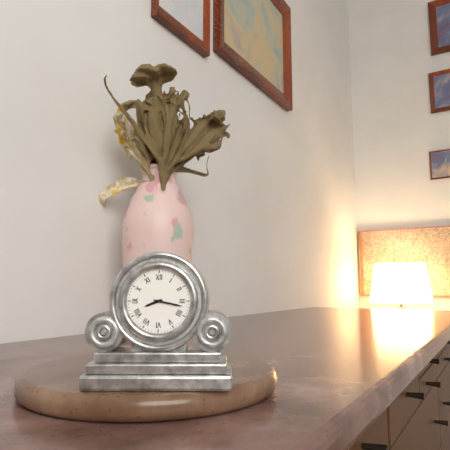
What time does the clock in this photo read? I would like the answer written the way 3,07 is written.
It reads 8,17
